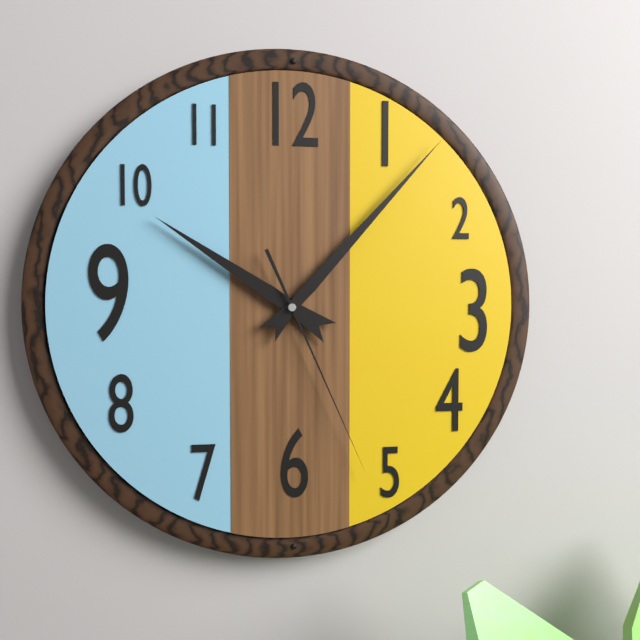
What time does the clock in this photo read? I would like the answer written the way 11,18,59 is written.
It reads 10,07,26
